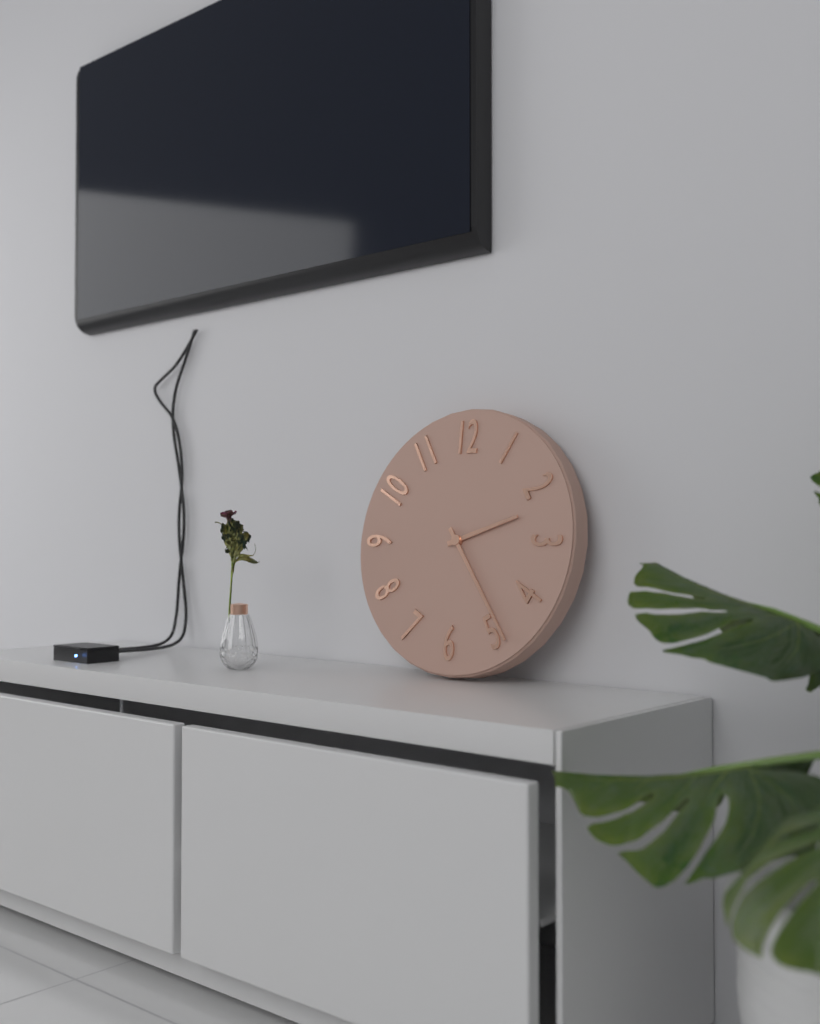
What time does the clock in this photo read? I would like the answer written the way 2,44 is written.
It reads 2,24
